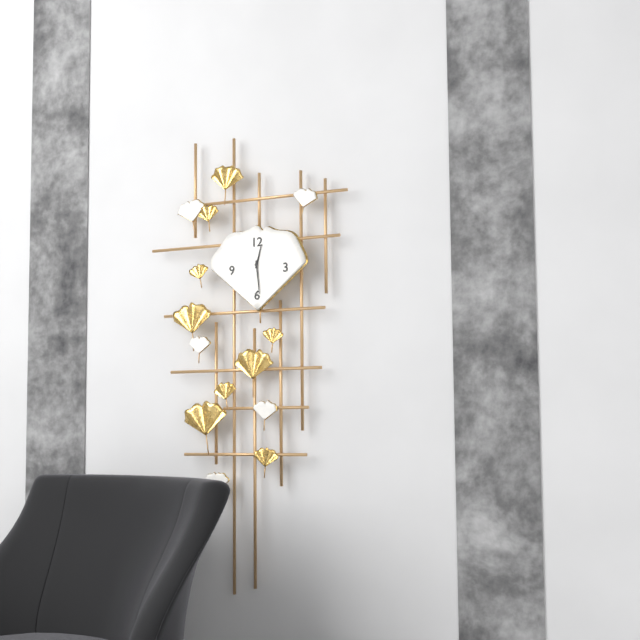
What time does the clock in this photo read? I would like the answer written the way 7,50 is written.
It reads 12,29
